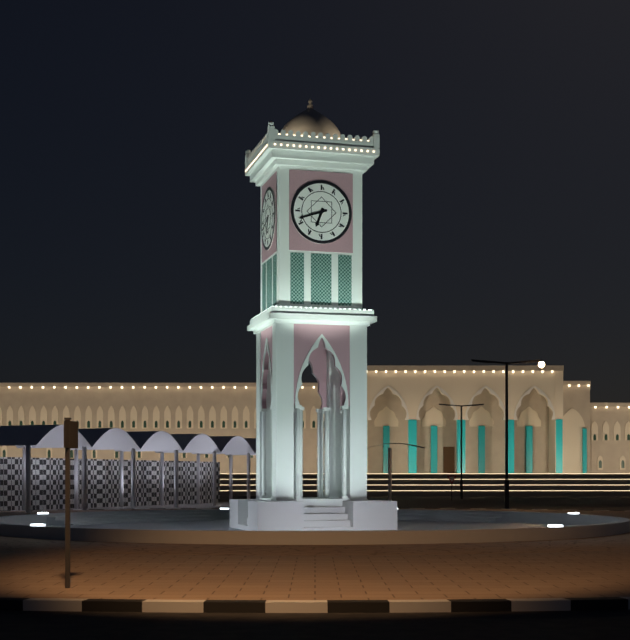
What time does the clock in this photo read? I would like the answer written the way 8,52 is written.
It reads 6,42
